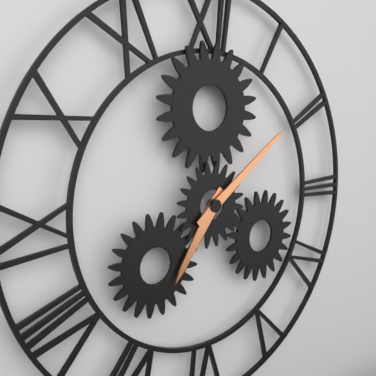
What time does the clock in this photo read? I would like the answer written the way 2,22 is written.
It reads 7,09
